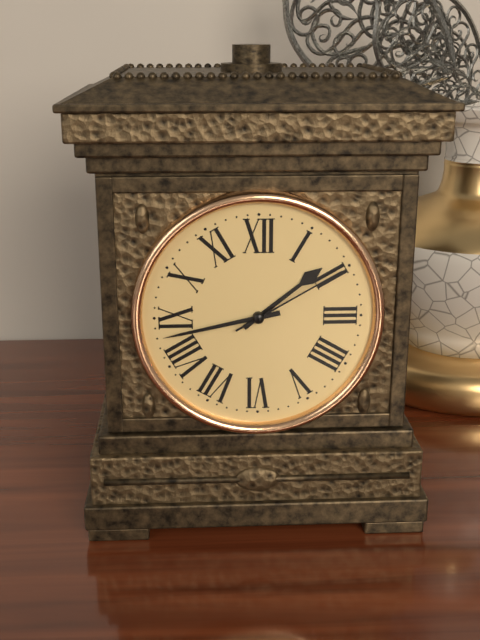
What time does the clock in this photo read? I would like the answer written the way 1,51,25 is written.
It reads 1,43,10
